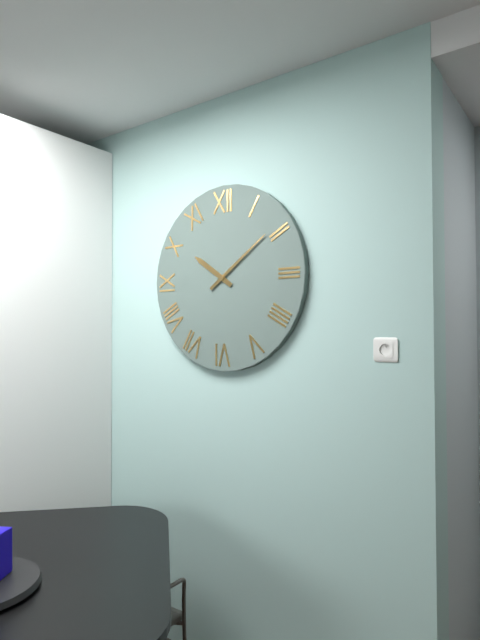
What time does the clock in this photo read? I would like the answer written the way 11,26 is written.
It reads 10,09
